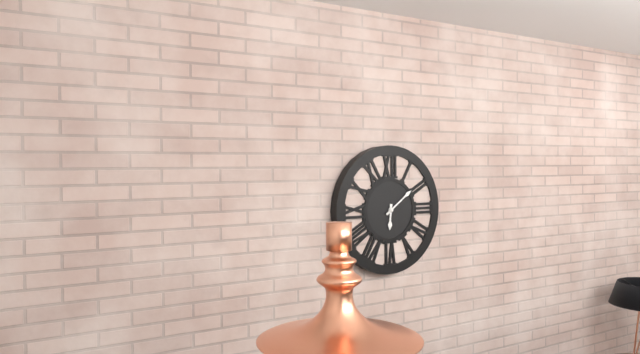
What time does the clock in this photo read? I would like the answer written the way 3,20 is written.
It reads 6,09
